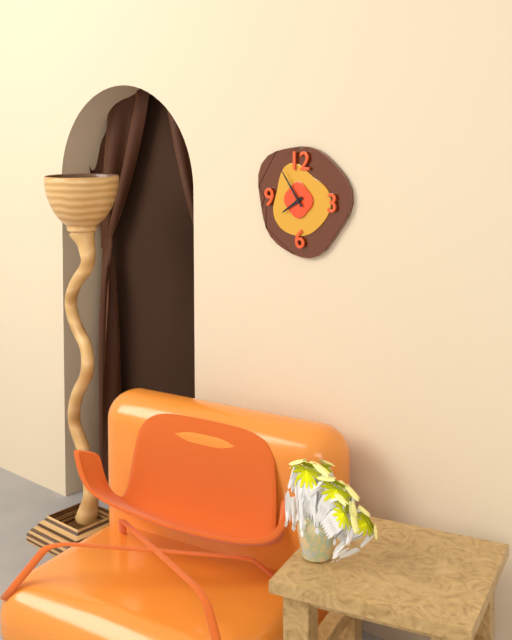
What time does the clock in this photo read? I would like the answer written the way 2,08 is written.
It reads 7,54
